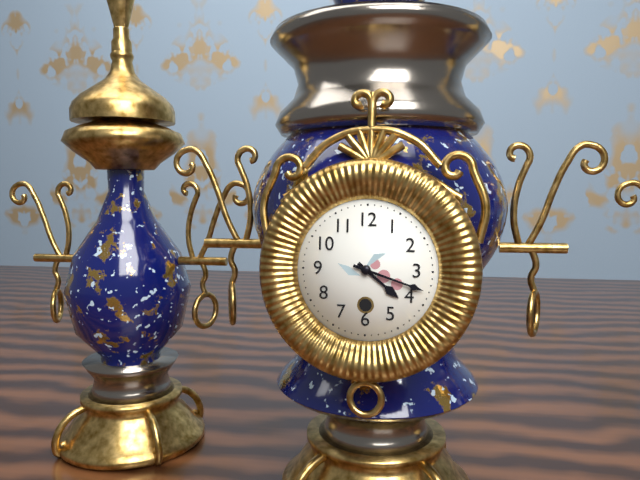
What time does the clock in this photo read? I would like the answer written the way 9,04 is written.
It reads 4,18
